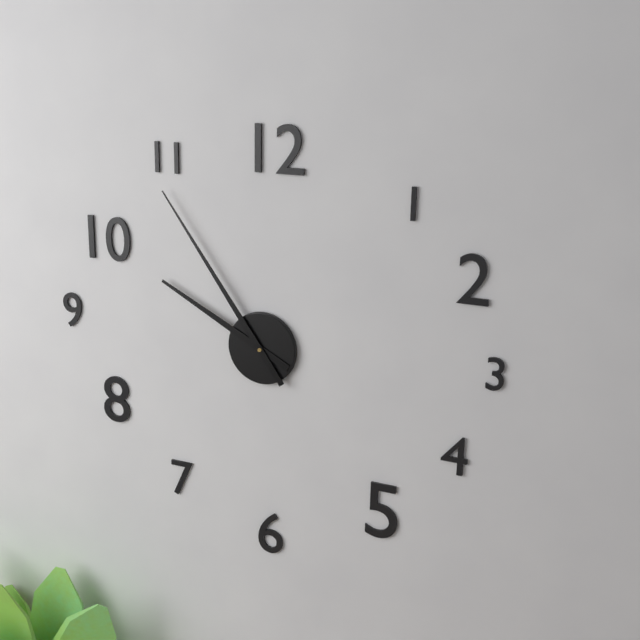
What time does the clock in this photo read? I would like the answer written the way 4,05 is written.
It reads 9,54
